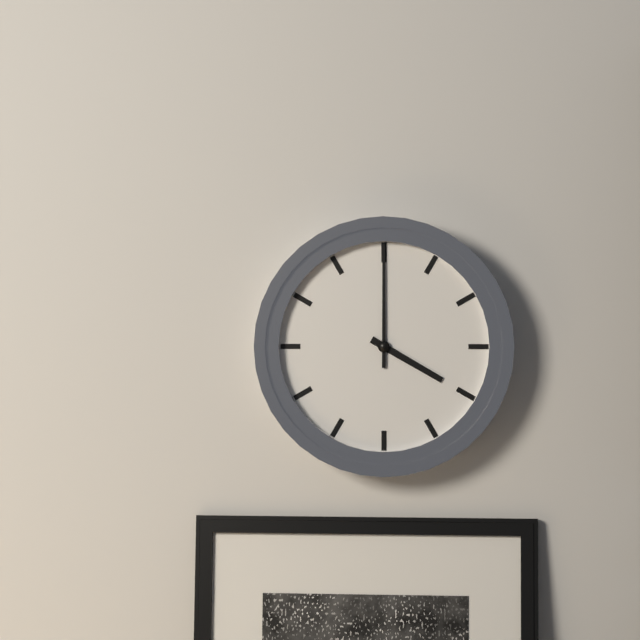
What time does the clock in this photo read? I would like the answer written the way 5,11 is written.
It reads 4,00
